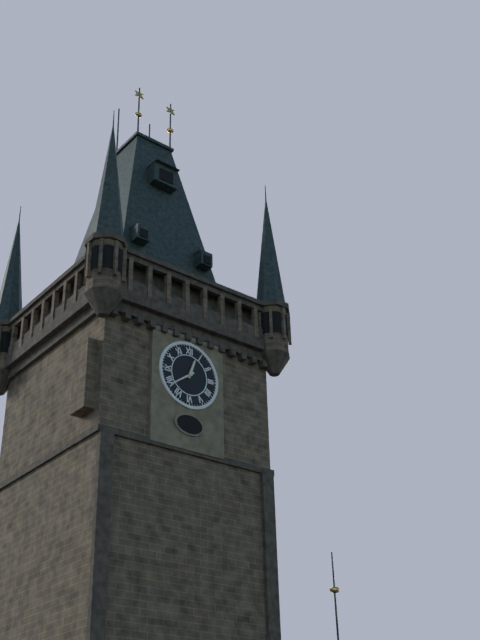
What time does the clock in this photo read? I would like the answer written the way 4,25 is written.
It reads 12,39
